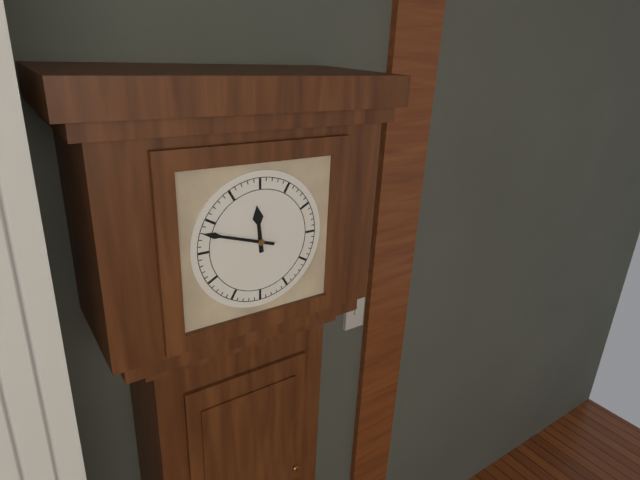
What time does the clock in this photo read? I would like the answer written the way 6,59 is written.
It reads 11,48
